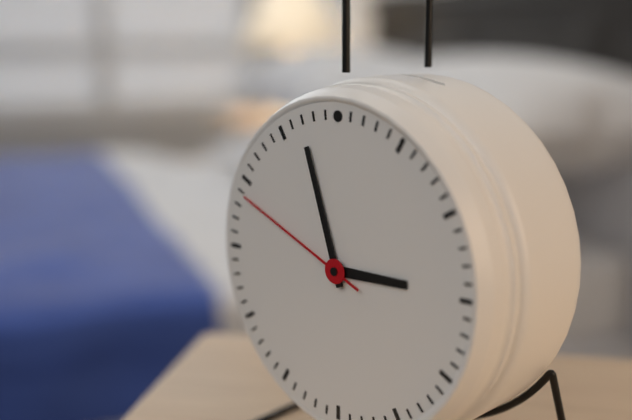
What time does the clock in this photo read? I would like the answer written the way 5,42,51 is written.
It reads 2,57,49
